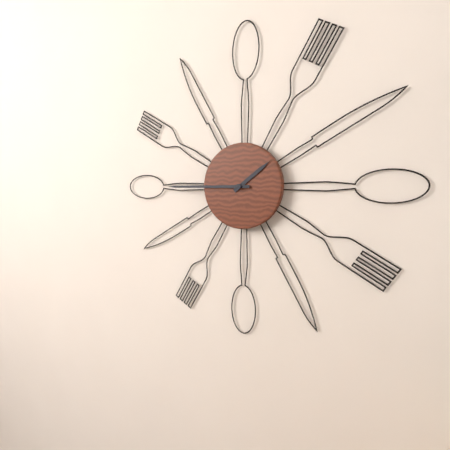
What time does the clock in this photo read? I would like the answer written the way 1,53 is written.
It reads 1,45
